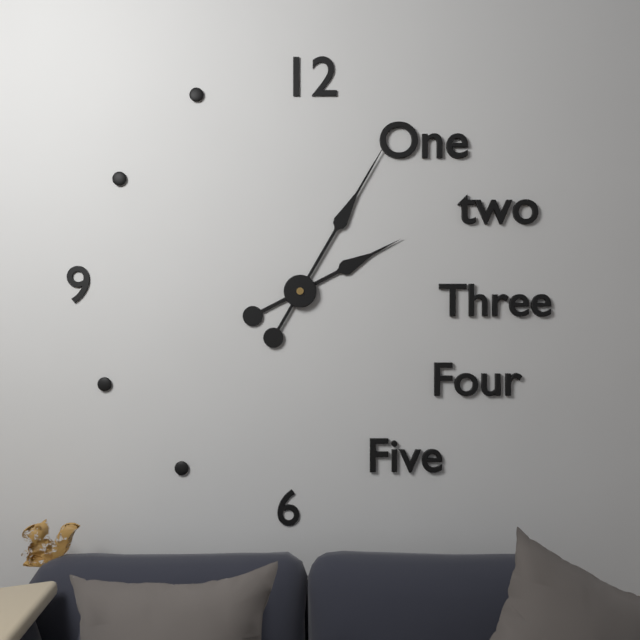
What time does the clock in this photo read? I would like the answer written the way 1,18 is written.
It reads 2,05
